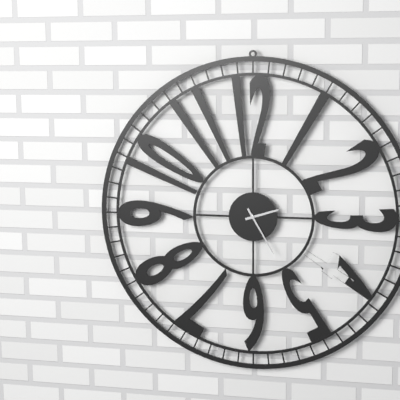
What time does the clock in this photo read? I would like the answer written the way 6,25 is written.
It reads 2,25
